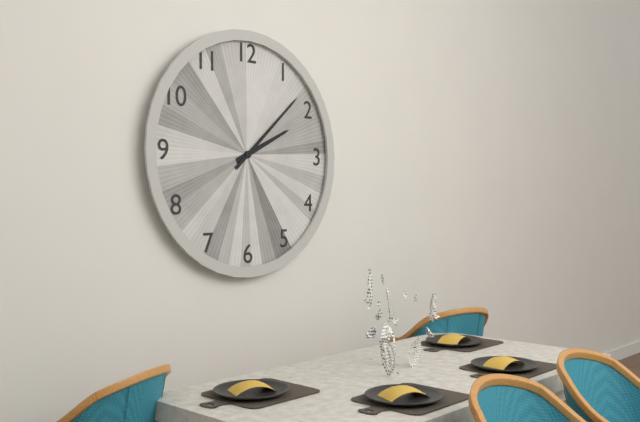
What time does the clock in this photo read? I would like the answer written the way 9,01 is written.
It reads 2,08
